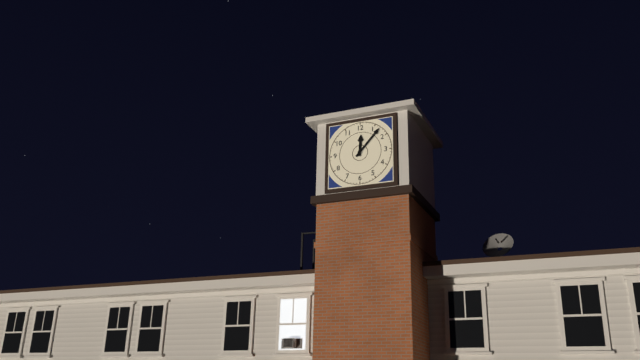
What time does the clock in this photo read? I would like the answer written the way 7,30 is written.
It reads 12,07
